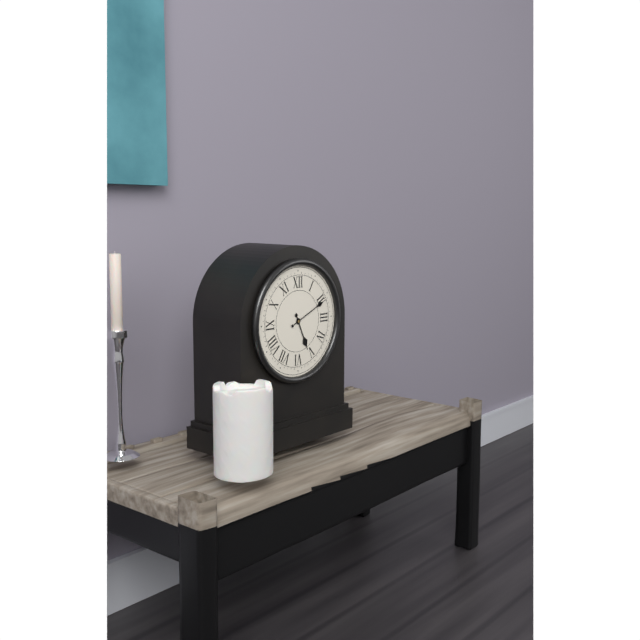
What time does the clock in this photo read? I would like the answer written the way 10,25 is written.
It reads 5,11
